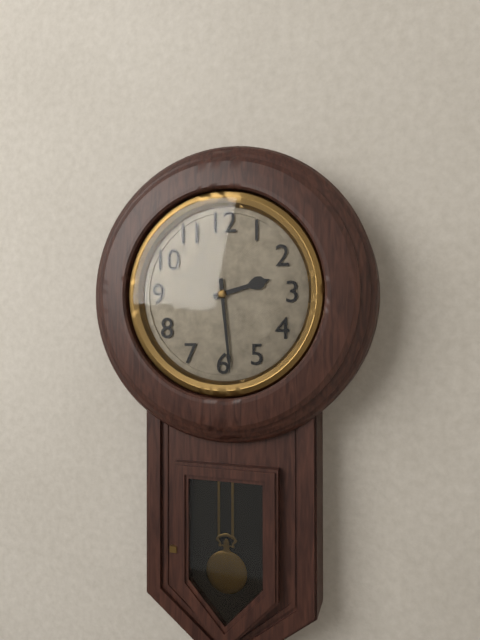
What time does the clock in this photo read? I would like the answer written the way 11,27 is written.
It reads 2,29
